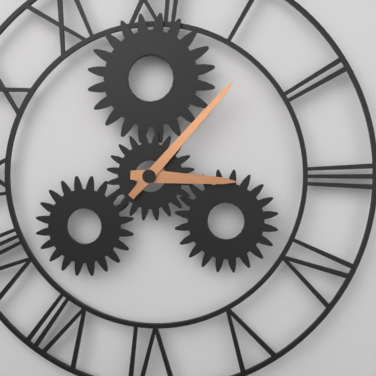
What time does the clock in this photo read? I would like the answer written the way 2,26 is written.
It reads 3,07
